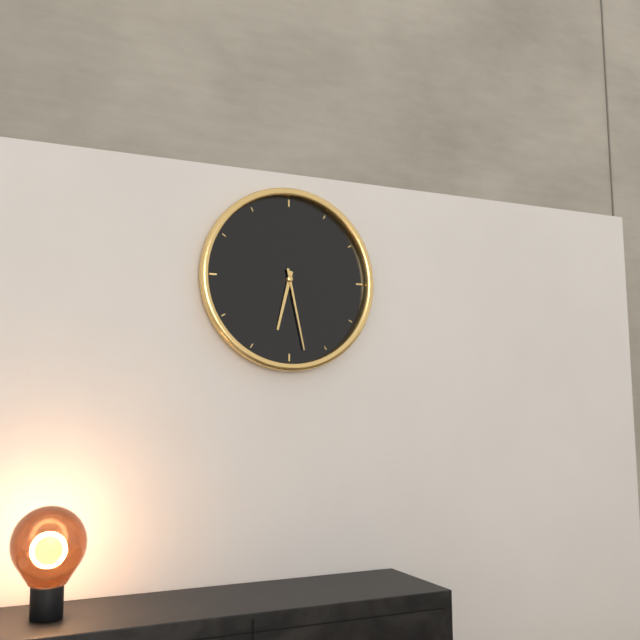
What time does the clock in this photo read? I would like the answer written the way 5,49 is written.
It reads 6,28
